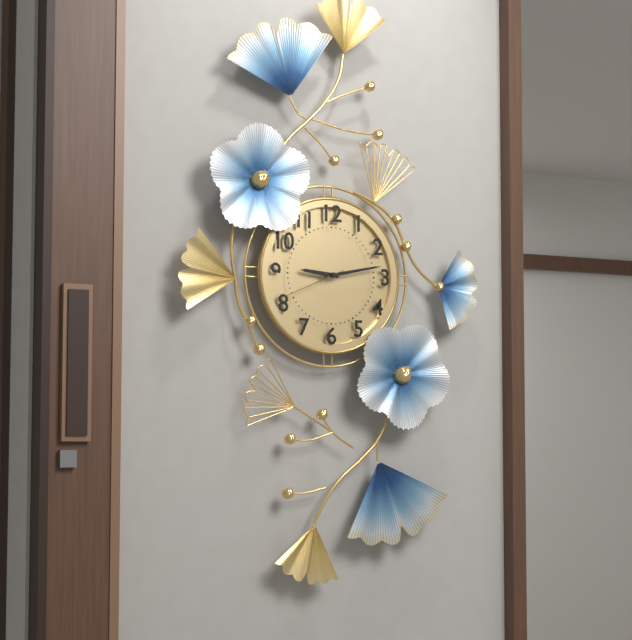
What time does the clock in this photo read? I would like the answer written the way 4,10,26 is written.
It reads 9,13,41
